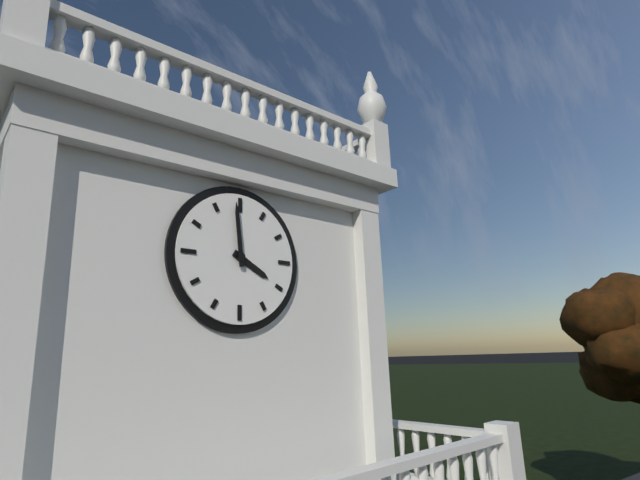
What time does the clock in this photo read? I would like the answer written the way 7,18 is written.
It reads 3,59
